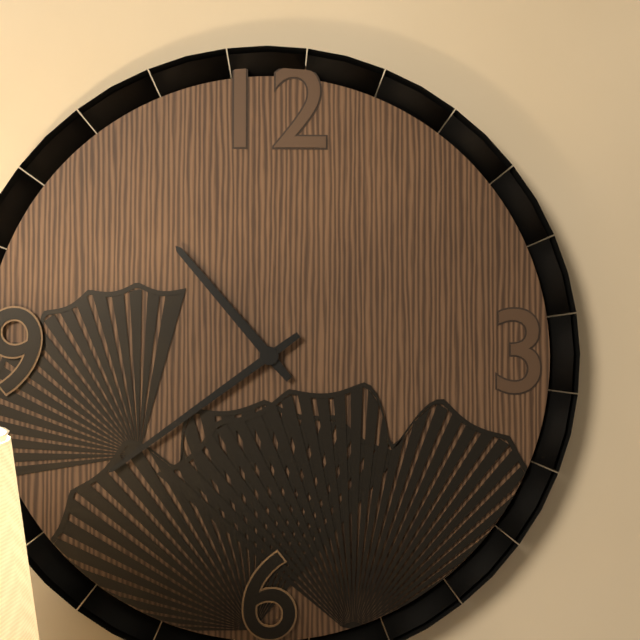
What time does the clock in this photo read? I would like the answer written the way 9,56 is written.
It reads 10,39
